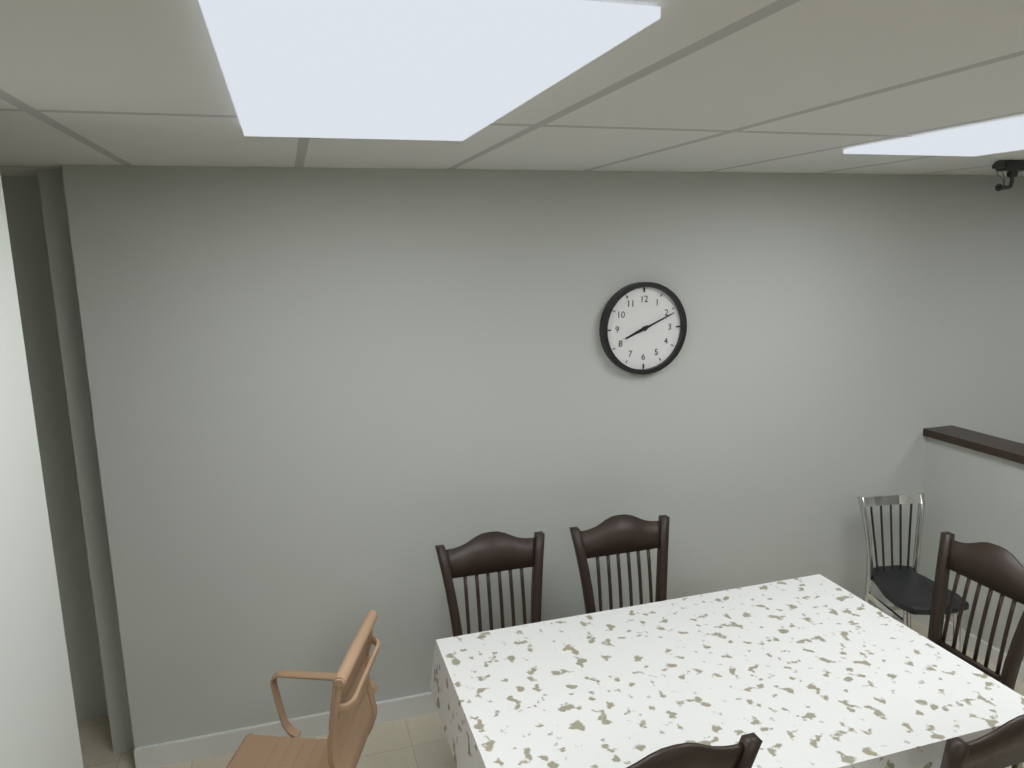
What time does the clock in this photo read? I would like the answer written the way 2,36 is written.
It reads 8,11
